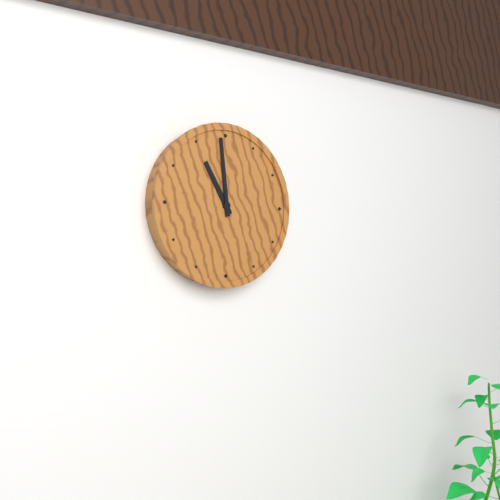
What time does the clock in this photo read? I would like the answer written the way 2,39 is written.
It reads 10,59
